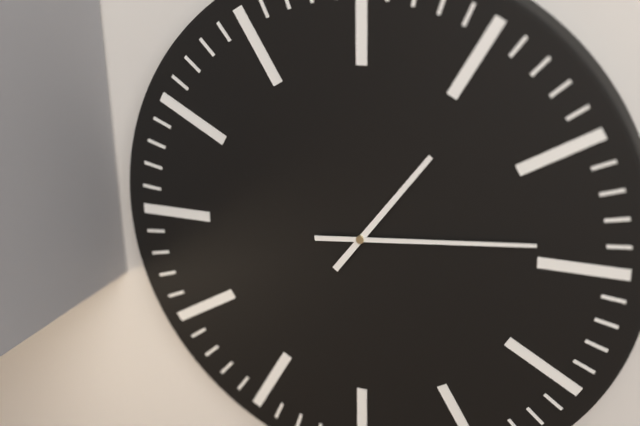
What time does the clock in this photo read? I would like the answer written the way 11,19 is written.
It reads 1,14
